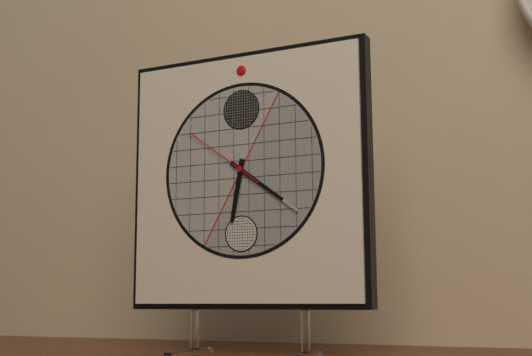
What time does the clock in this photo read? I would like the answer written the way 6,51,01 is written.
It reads 6,21,51
